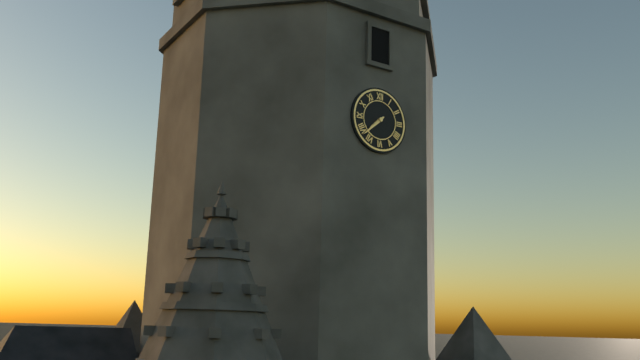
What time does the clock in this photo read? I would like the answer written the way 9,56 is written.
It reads 7,38
